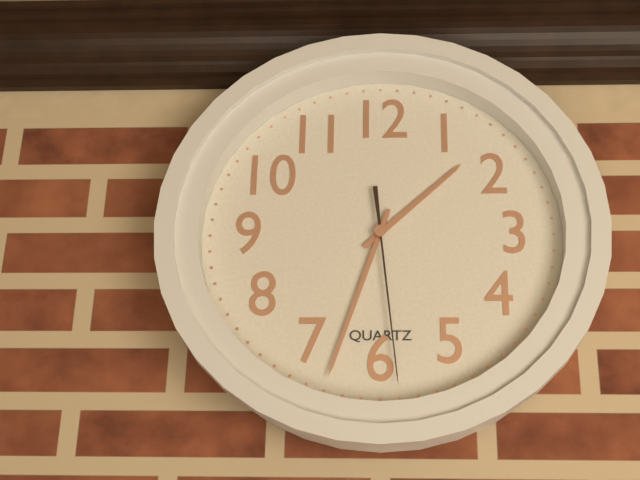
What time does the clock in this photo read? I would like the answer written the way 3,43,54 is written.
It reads 1,33,29
